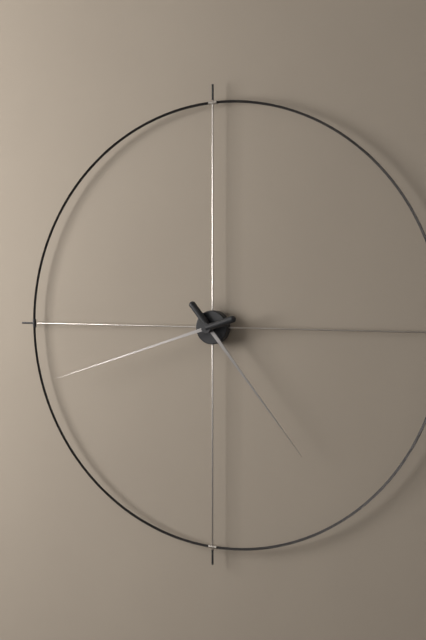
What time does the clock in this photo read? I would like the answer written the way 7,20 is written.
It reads 4,42
